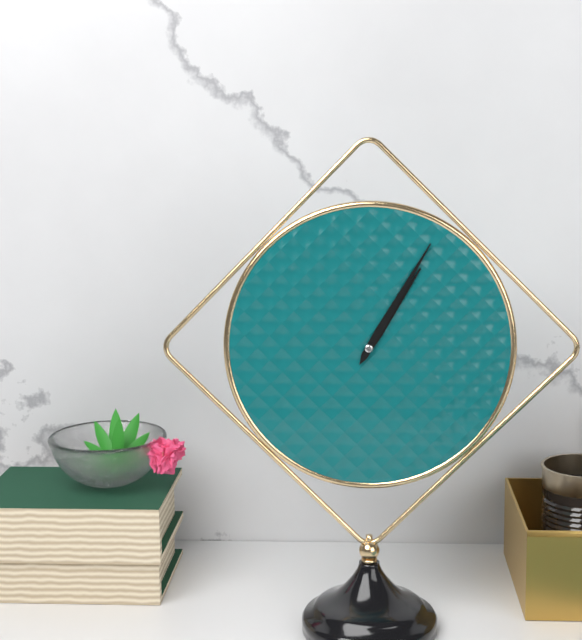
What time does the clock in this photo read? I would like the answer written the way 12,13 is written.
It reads 1,05
